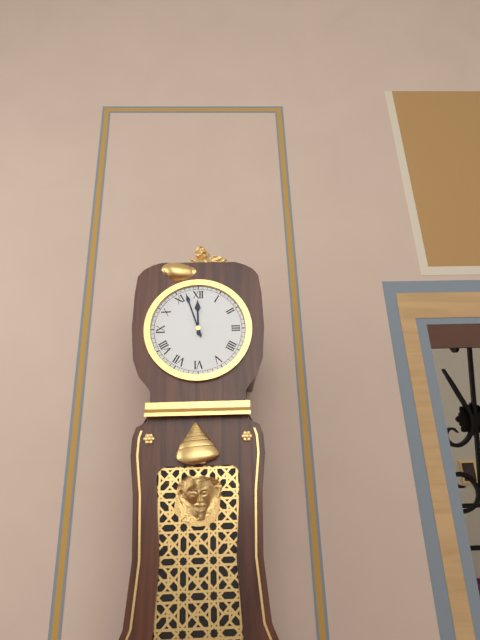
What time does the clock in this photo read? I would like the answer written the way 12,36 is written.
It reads 11,57
